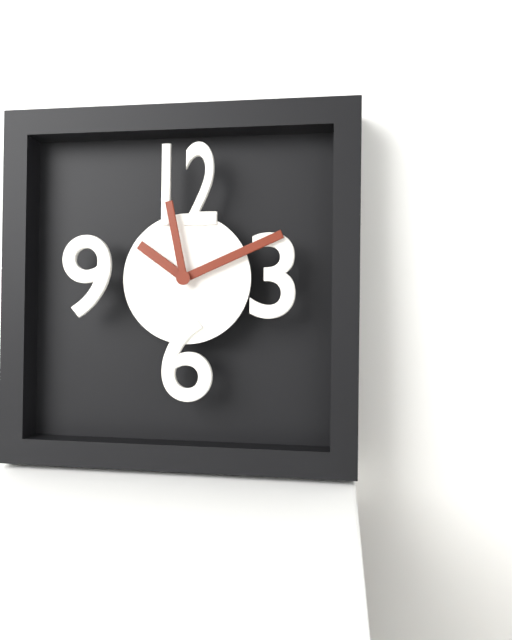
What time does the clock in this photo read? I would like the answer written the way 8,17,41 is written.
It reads 10,11,58
